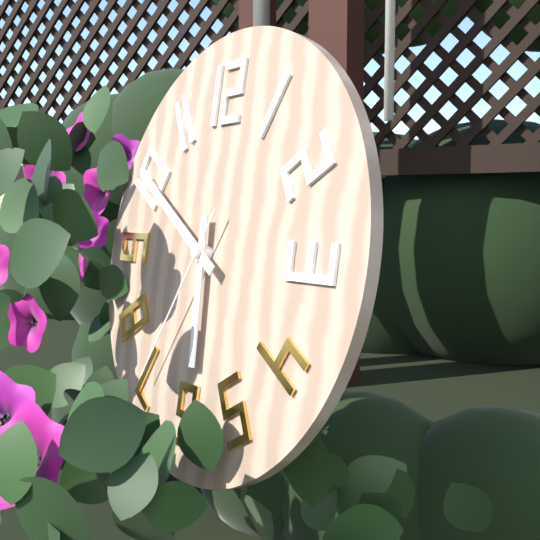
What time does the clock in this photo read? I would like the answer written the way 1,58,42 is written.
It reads 5,50,35
